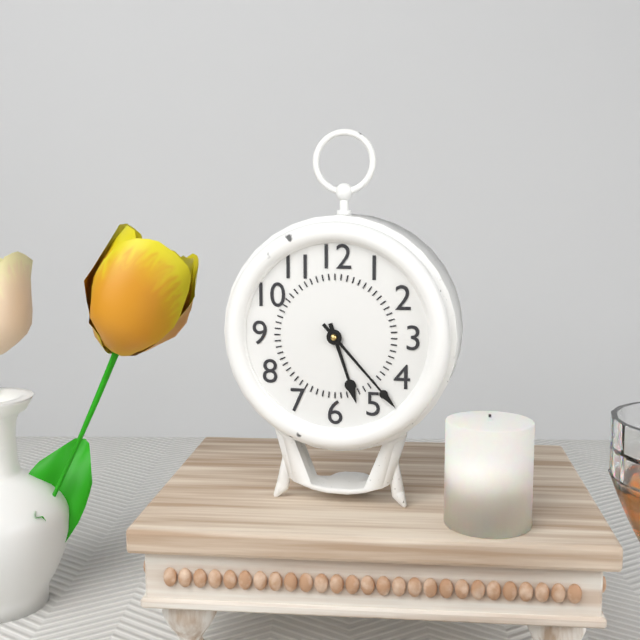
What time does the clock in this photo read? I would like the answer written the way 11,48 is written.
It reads 5,23
